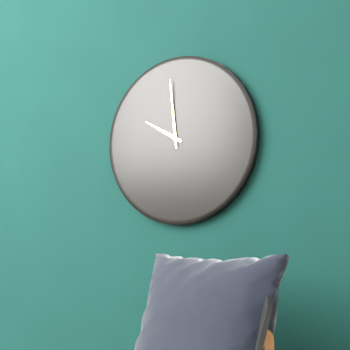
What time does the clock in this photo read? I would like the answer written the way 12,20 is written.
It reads 9,59
